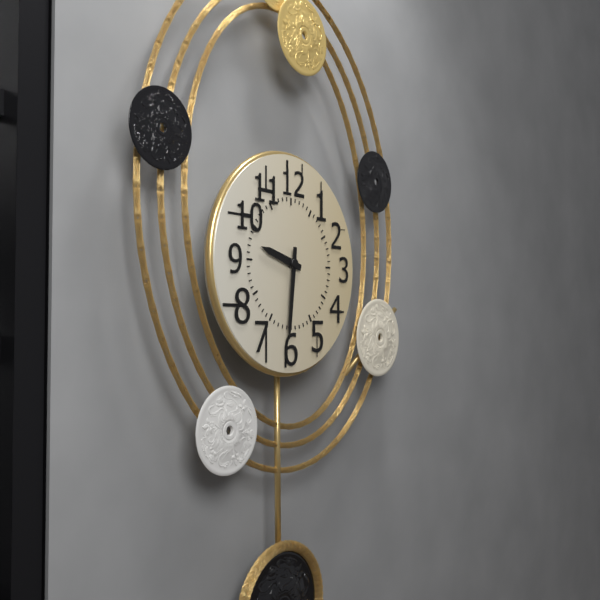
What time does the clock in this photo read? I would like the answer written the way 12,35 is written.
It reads 9,31
